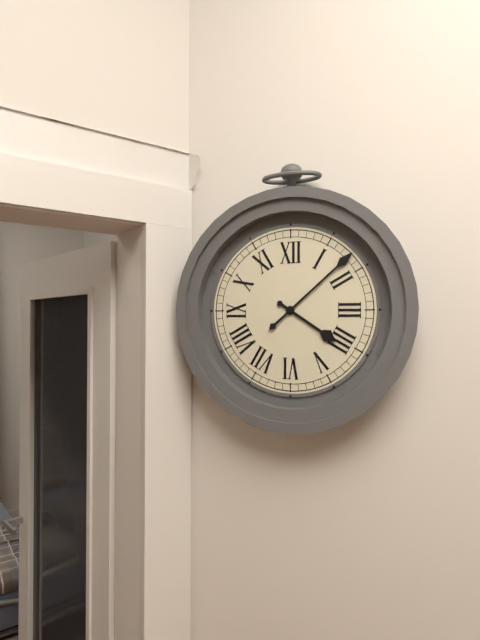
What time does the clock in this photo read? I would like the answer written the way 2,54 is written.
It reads 4,08
